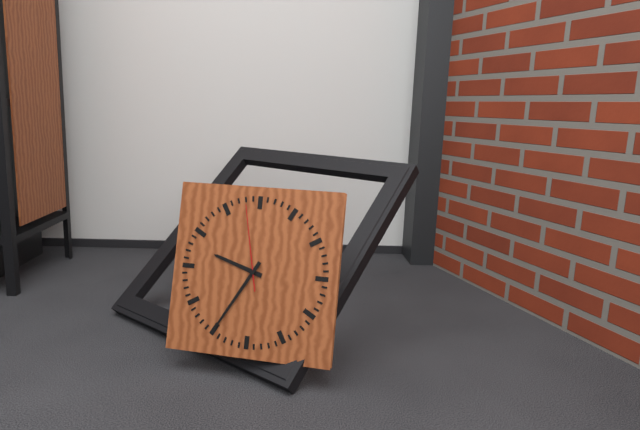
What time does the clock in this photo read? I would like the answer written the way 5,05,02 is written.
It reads 9,35,58
